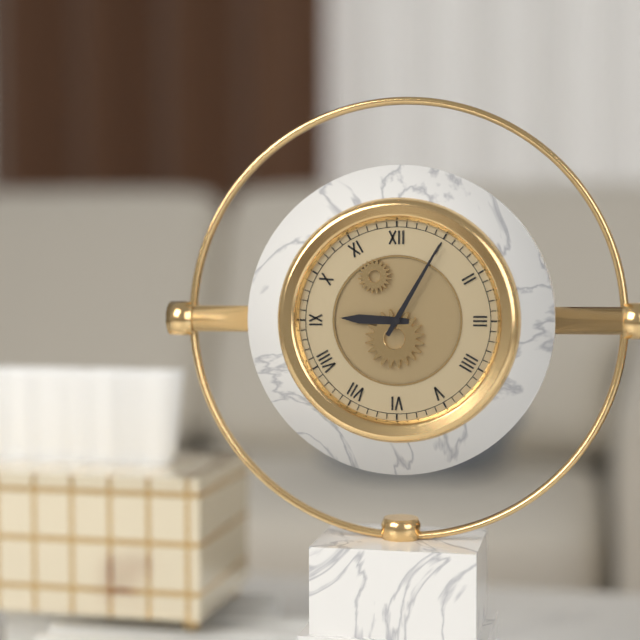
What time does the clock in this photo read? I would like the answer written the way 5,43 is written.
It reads 9,05
